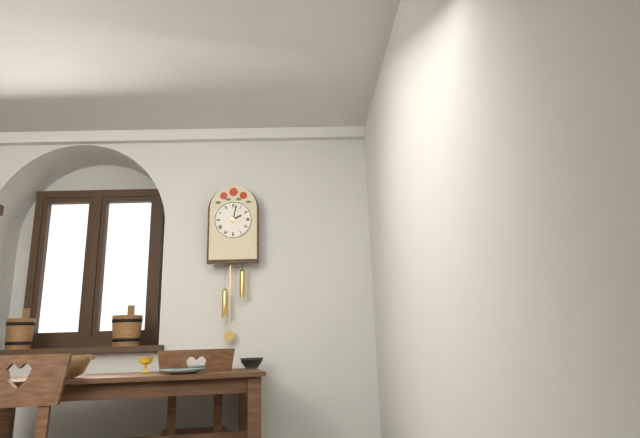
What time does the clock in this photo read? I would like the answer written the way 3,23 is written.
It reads 2,02
